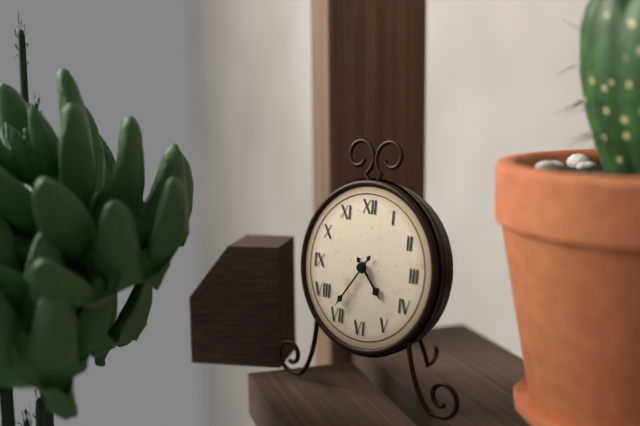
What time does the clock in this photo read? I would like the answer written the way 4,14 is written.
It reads 4,36
